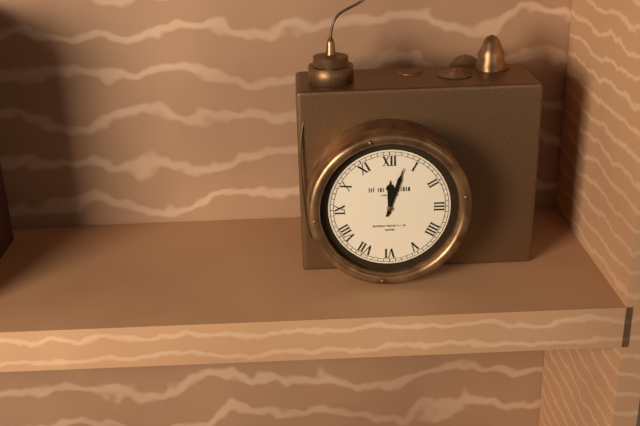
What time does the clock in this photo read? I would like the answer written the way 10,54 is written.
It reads 12,03
